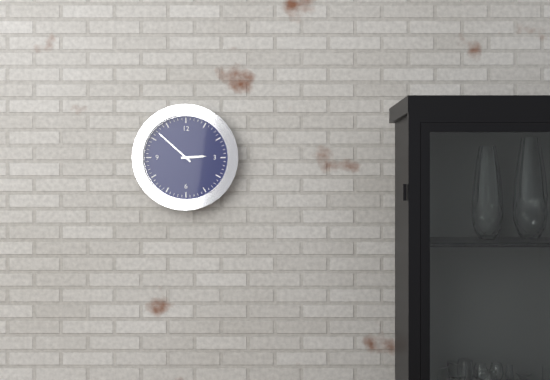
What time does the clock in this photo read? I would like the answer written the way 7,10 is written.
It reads 2,52
